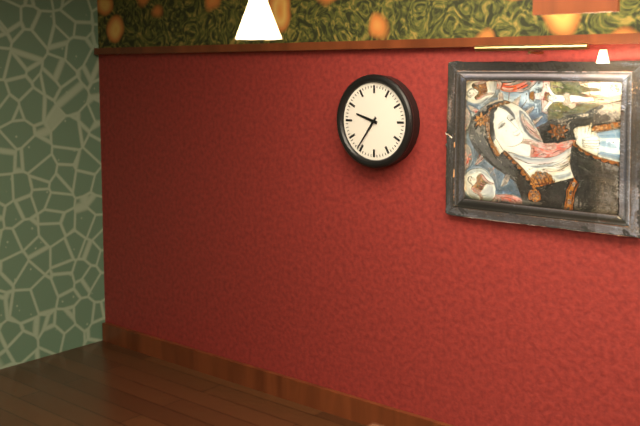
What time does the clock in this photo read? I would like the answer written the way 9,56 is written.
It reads 9,36
